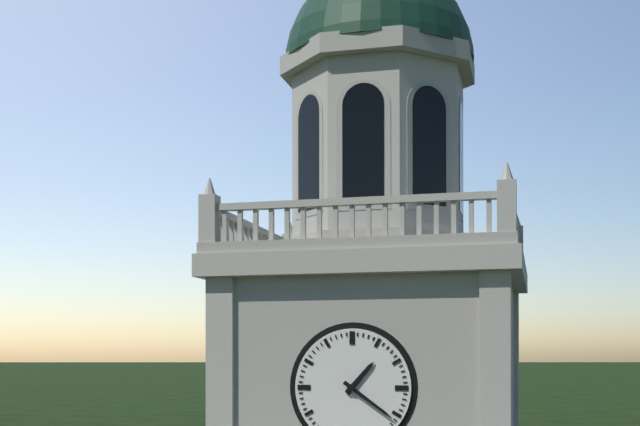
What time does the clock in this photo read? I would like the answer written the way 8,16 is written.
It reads 1,21
